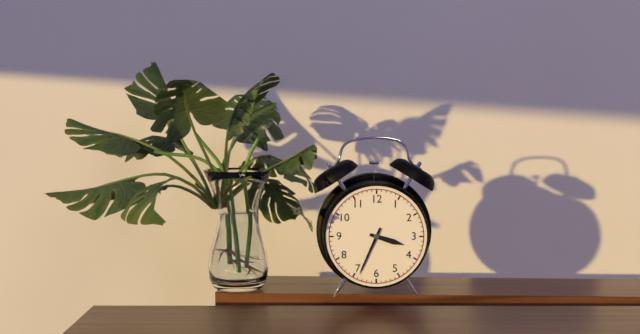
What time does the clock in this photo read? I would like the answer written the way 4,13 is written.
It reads 3,34
